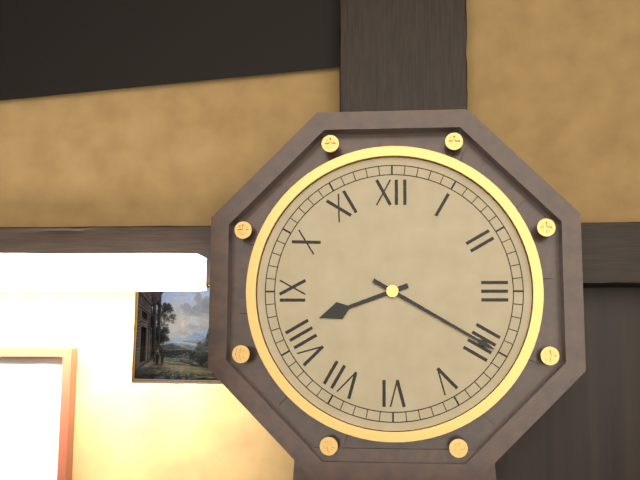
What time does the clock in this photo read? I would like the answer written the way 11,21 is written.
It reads 8,20
